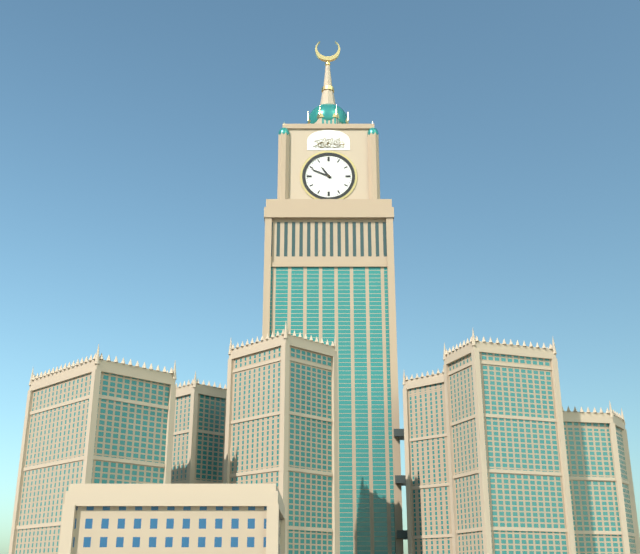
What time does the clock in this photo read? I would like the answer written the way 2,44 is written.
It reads 10,49
